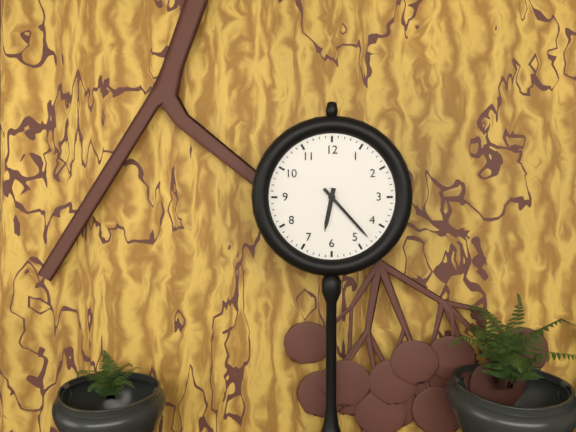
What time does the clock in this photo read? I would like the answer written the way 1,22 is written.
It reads 6,23
